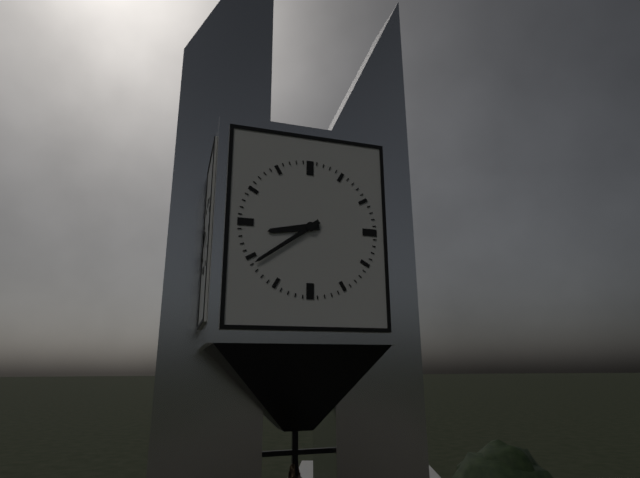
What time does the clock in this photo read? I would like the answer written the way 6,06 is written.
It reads 8,39
